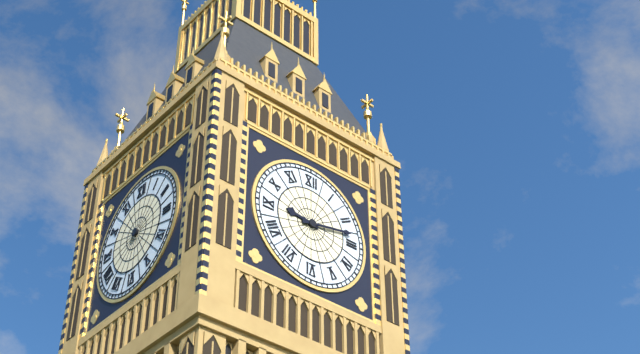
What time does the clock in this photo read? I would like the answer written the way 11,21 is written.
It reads 9,13
